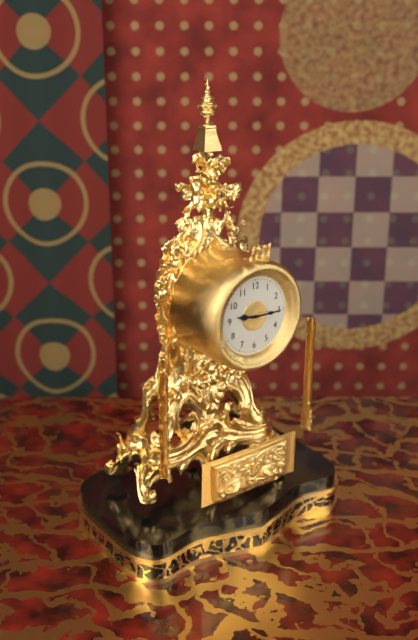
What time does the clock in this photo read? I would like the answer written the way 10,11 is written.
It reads 9,15
